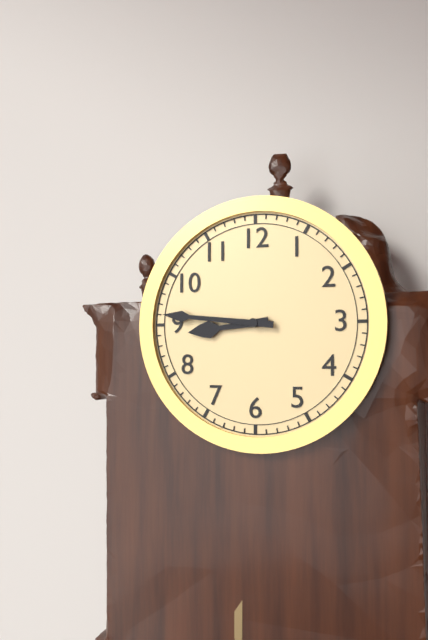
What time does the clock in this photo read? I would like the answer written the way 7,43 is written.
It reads 8,46
